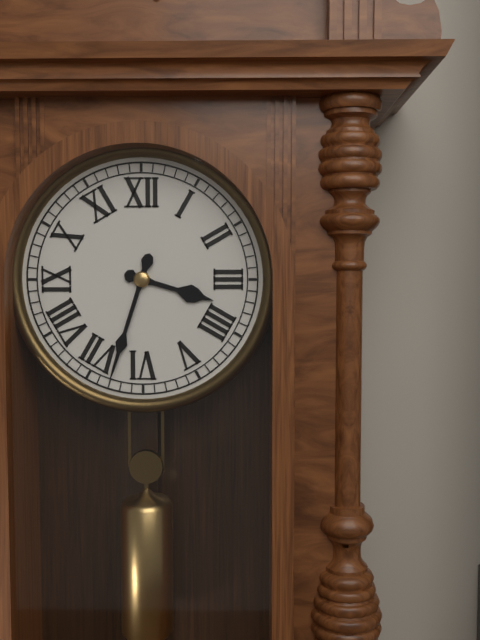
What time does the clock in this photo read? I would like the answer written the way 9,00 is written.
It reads 3,33
